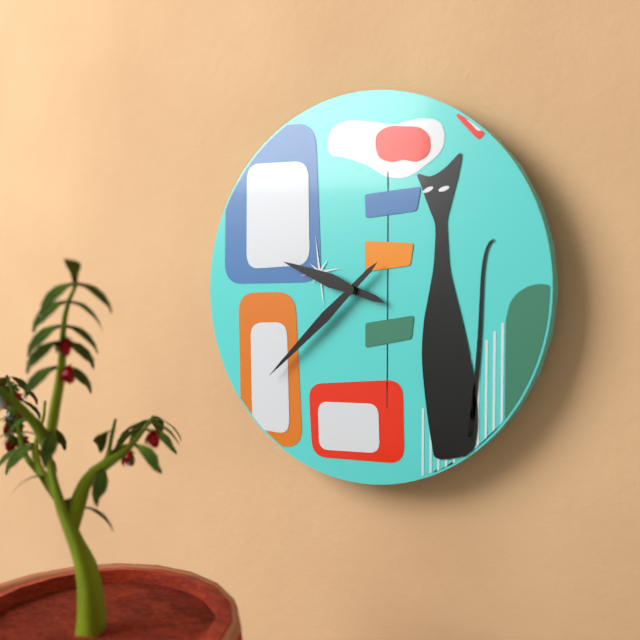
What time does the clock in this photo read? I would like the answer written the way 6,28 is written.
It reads 9,38
